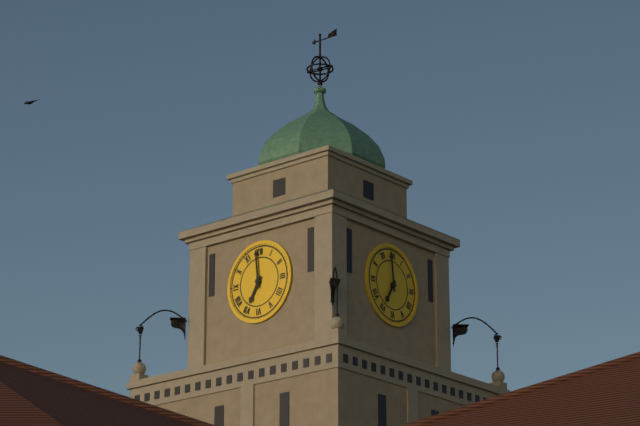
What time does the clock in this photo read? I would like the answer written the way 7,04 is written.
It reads 6,59
